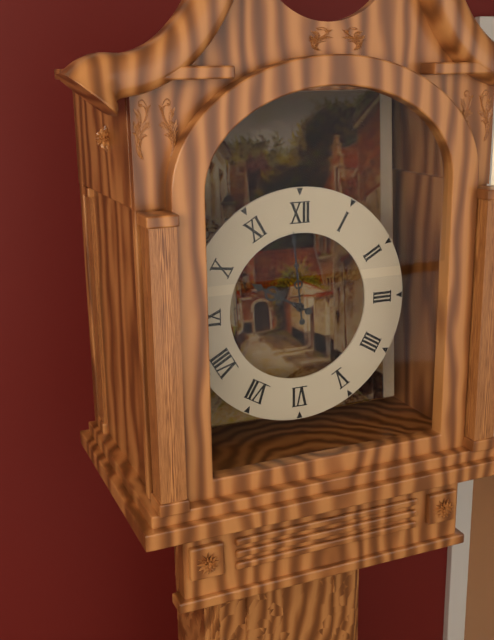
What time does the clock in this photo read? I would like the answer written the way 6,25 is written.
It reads 9,59
